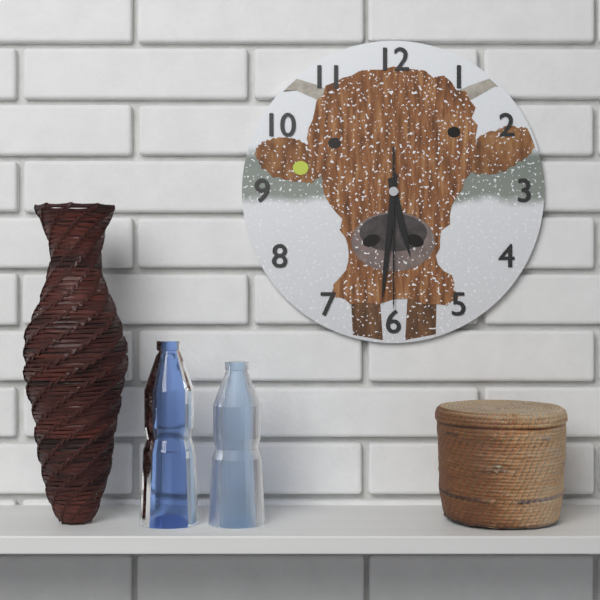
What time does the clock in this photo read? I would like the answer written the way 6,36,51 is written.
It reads 5,31,30
